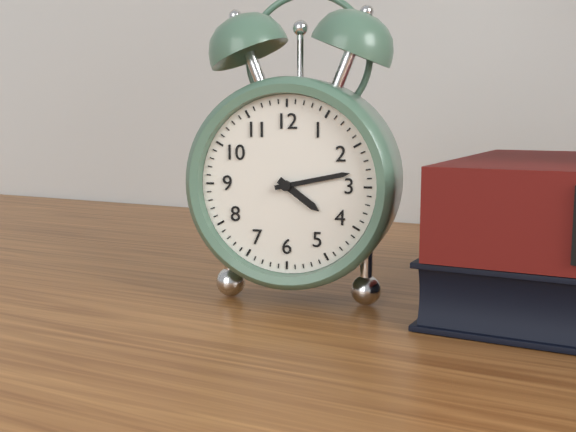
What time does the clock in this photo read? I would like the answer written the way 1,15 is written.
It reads 4,13
